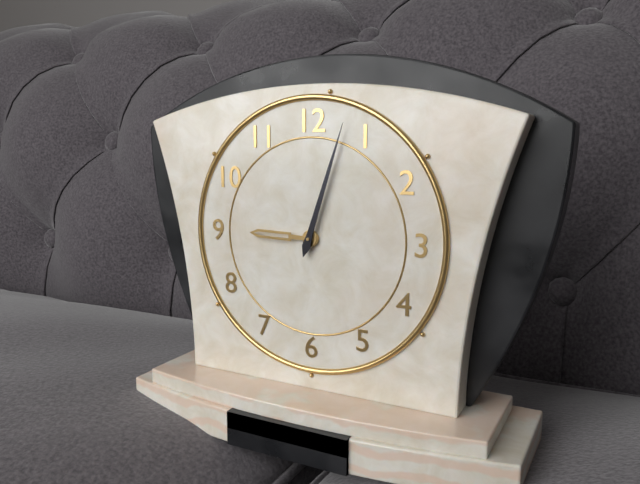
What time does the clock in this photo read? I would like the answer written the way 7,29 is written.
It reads 9,03
